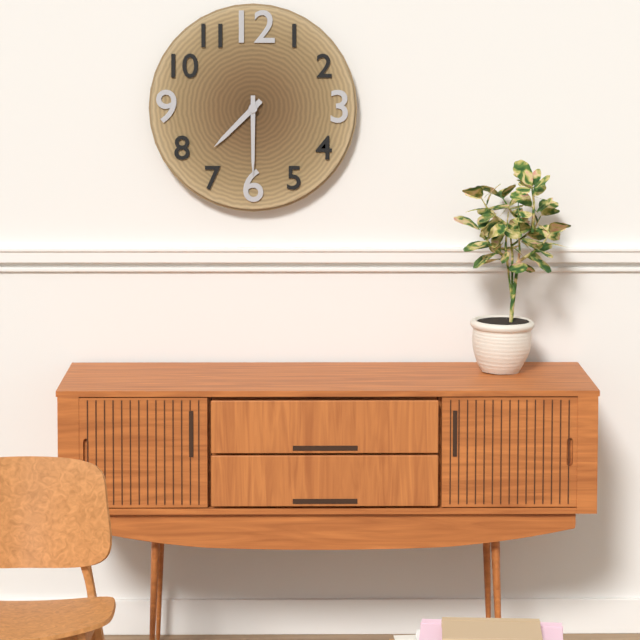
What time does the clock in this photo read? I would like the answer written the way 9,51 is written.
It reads 7,30
